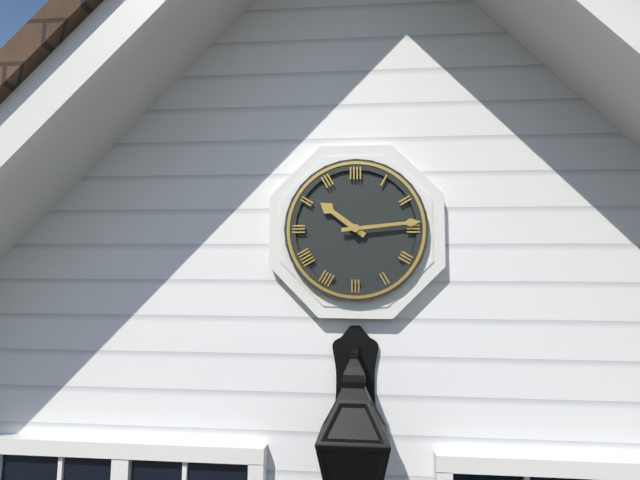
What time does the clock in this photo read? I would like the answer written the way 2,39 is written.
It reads 10,14
